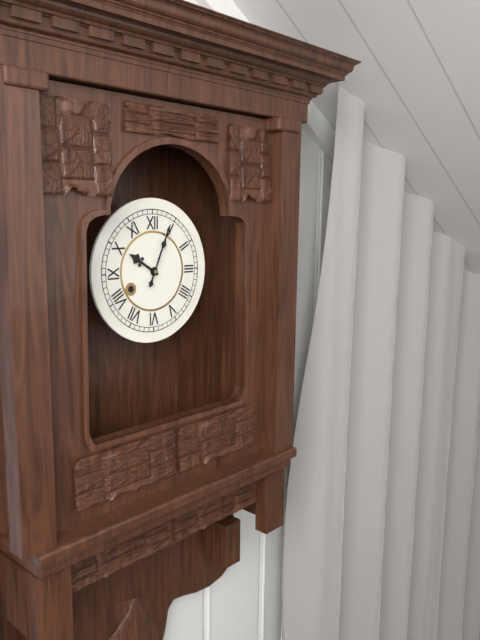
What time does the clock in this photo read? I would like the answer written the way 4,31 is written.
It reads 10,04
